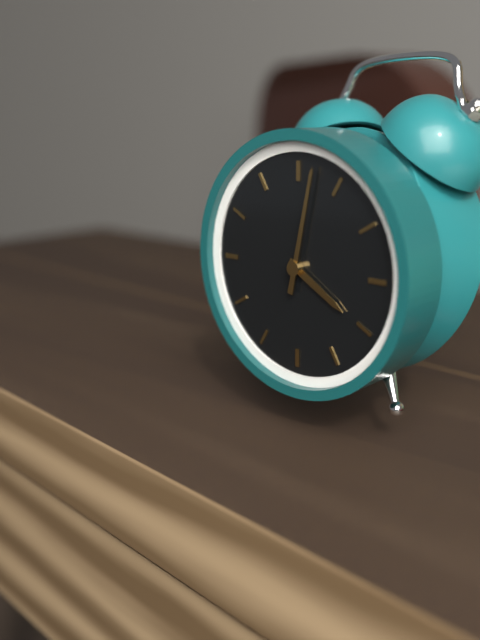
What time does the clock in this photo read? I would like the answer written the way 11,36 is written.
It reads 4,02
